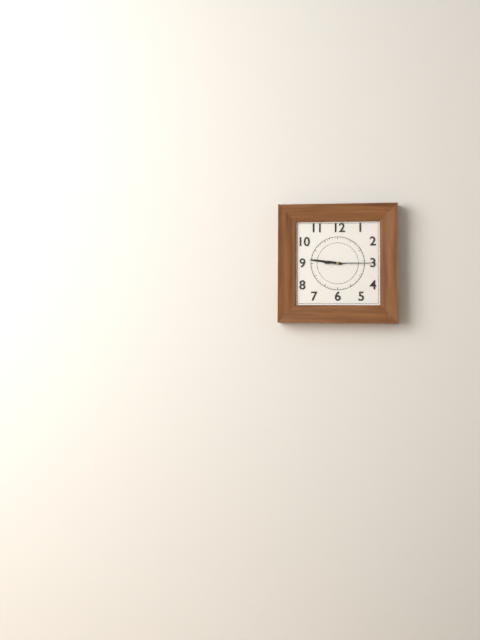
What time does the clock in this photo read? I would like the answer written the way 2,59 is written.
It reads 9,15
